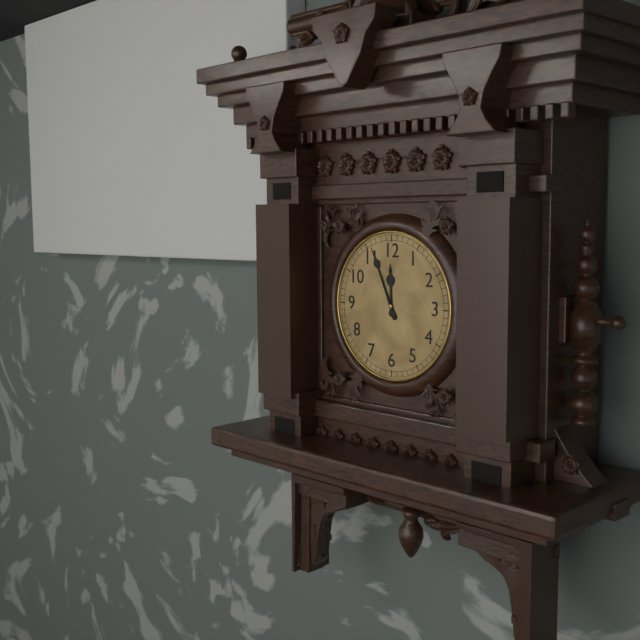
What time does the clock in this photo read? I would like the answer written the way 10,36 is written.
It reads 11,56
